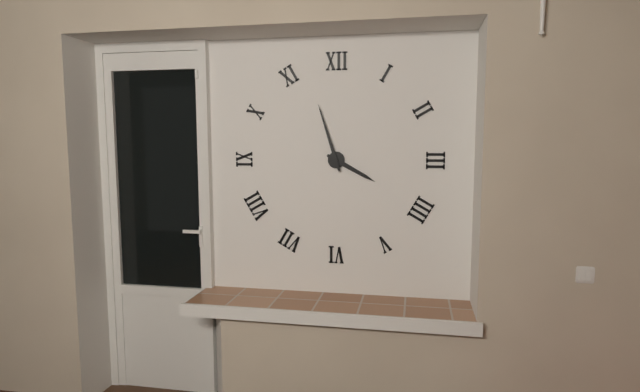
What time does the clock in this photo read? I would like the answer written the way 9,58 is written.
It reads 3,57
